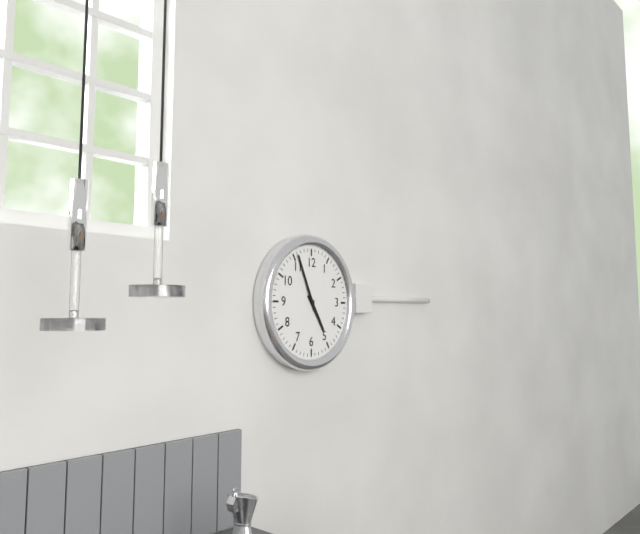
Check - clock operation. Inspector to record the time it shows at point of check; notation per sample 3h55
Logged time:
4h56
